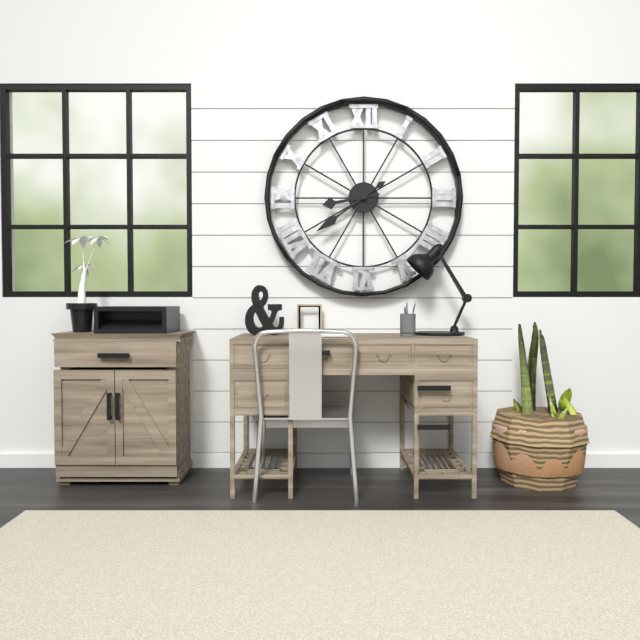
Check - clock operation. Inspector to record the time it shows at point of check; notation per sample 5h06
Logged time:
8h39
